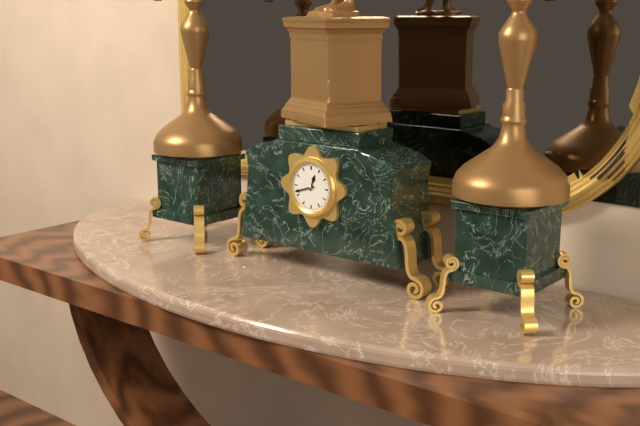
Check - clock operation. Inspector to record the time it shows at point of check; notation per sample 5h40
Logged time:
12h42
